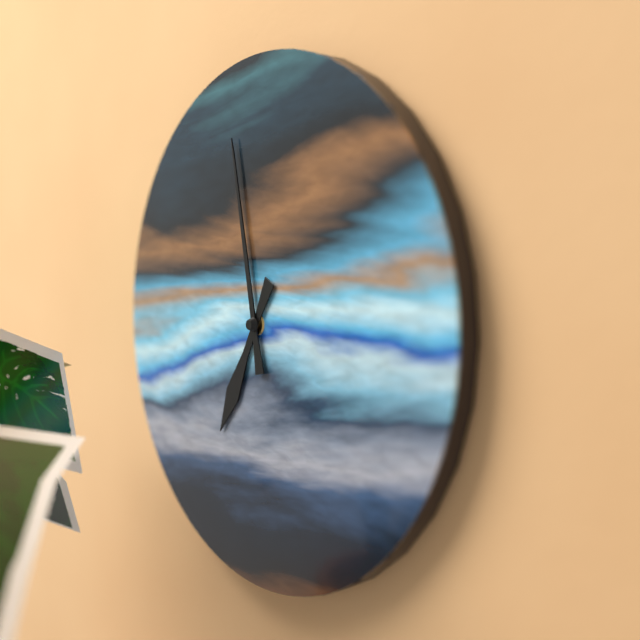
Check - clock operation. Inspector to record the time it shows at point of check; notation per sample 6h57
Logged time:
6h58
